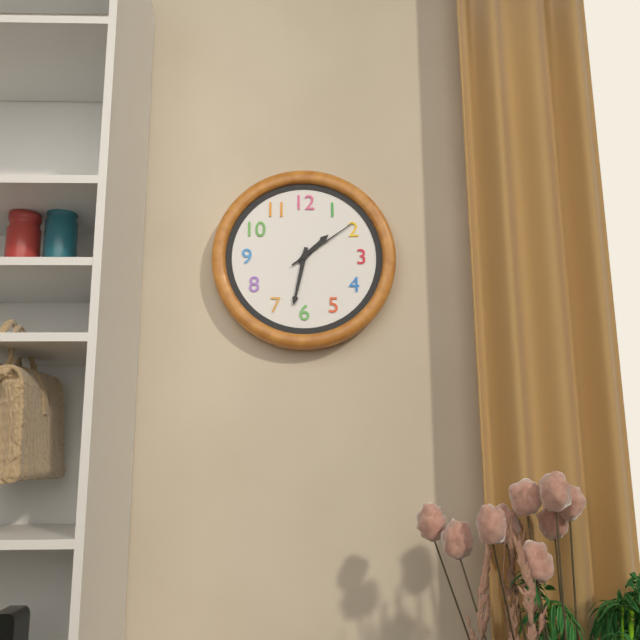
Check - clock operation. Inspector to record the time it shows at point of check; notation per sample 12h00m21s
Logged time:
1h32m09s
